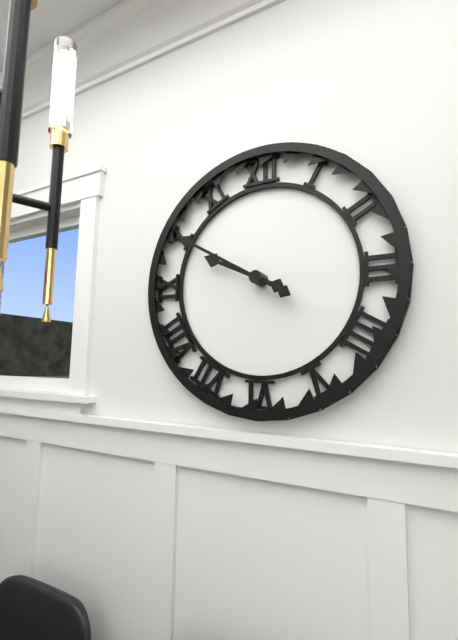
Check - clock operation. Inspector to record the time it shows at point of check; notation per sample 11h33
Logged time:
9h50
